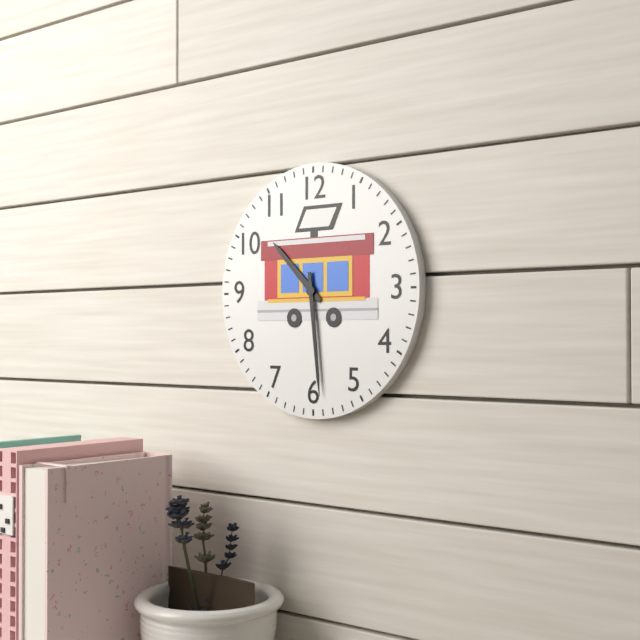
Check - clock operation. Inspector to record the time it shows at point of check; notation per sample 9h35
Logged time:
10h29
